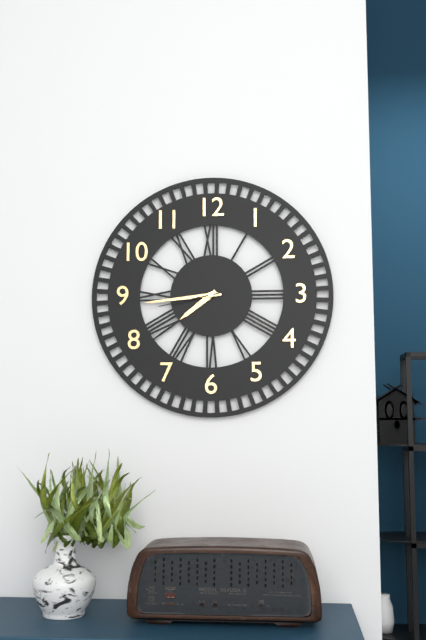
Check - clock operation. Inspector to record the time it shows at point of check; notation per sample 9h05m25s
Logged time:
7h44m43s
